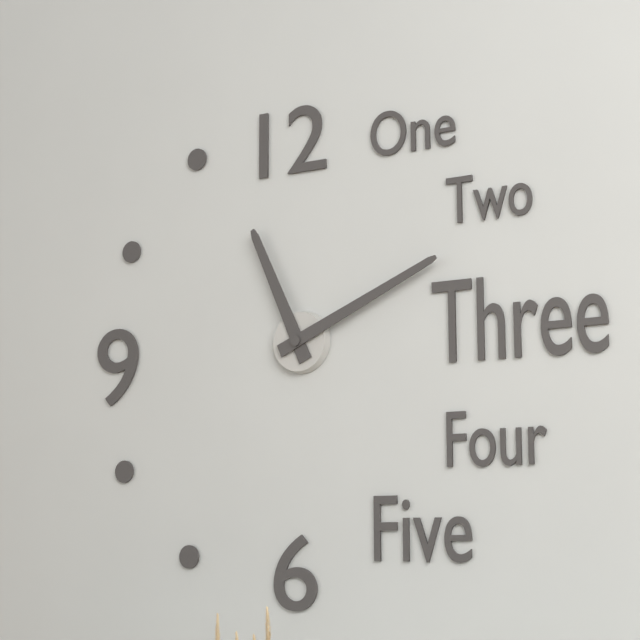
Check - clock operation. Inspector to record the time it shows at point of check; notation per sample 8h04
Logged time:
11h11
